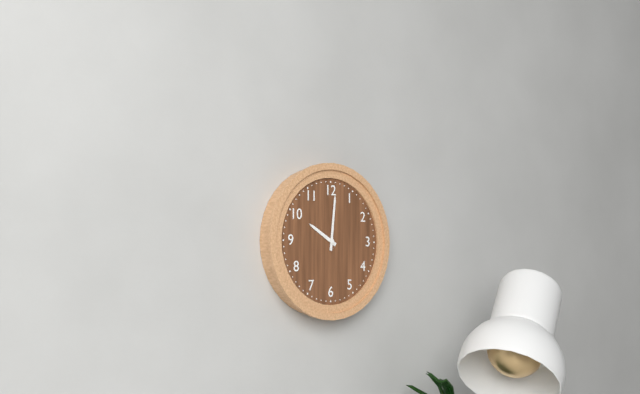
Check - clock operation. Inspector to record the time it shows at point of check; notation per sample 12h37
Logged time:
10h01
